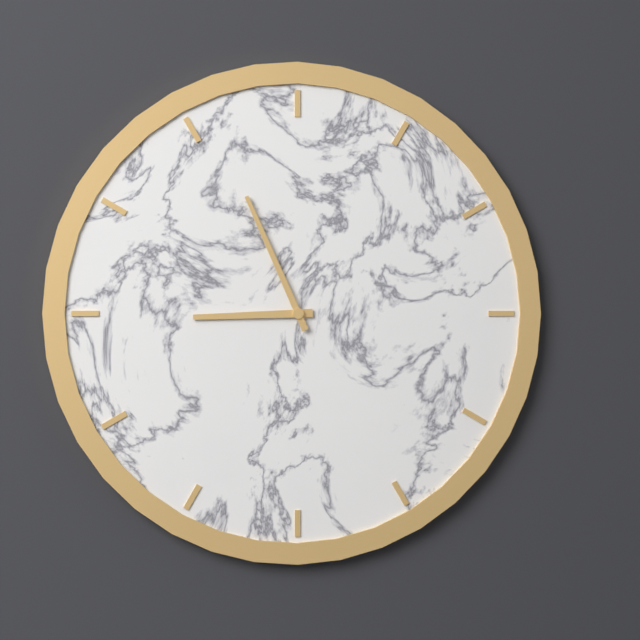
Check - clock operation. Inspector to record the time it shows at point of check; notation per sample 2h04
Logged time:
8h56
